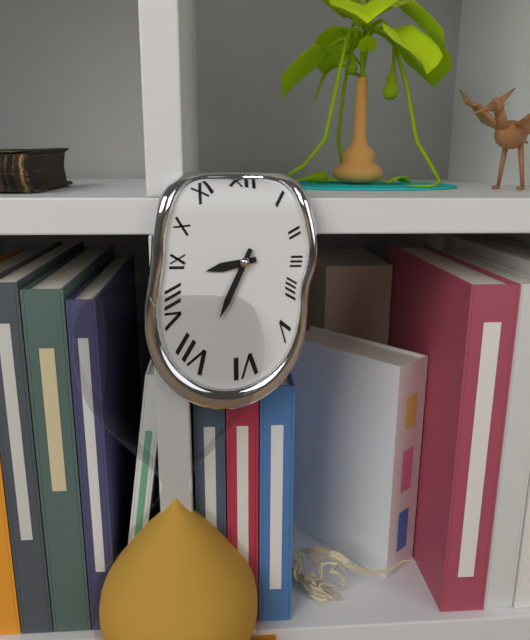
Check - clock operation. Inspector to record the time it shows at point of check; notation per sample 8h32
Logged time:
8h34
